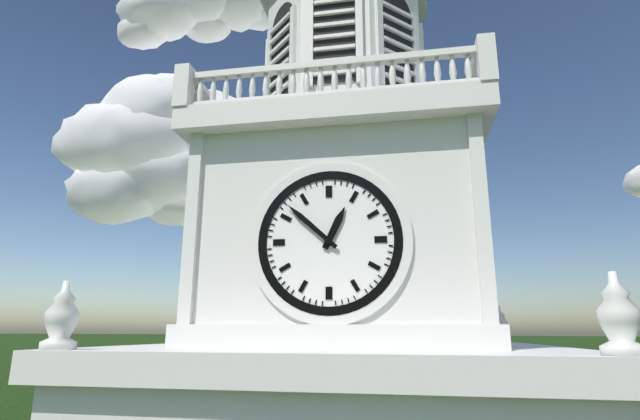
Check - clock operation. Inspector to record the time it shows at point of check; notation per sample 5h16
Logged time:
12h52
